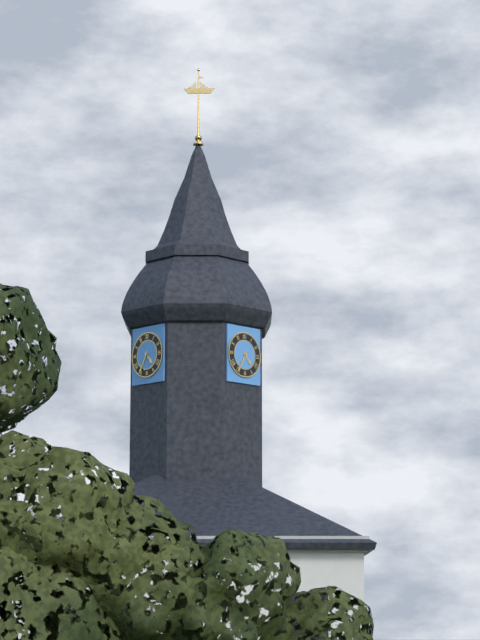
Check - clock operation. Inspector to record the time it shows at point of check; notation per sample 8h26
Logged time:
4h35
